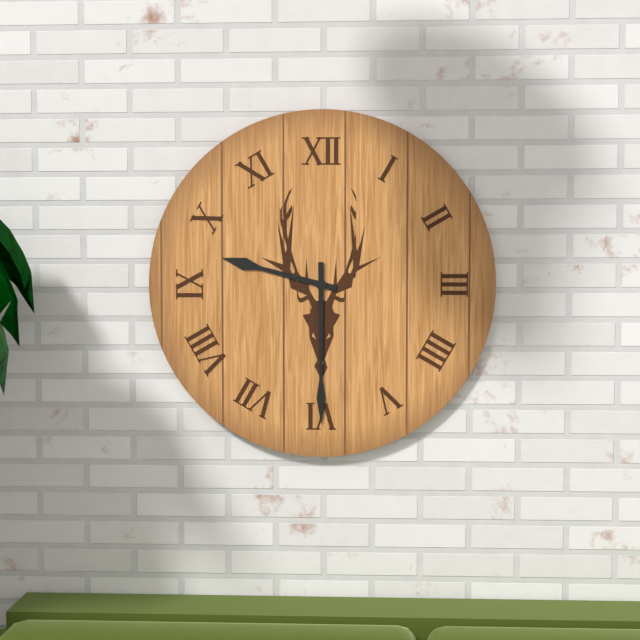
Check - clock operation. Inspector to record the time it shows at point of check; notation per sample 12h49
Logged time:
9h30
